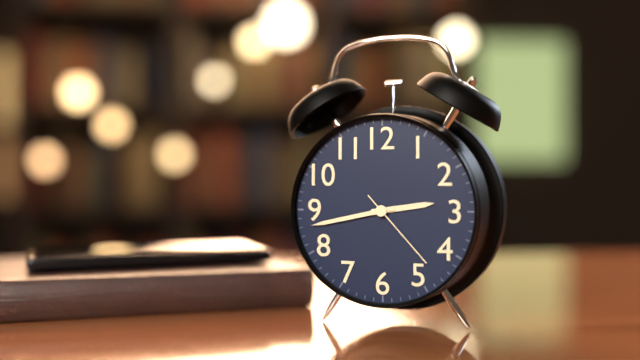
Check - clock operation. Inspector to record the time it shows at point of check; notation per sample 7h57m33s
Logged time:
2h43m23s
